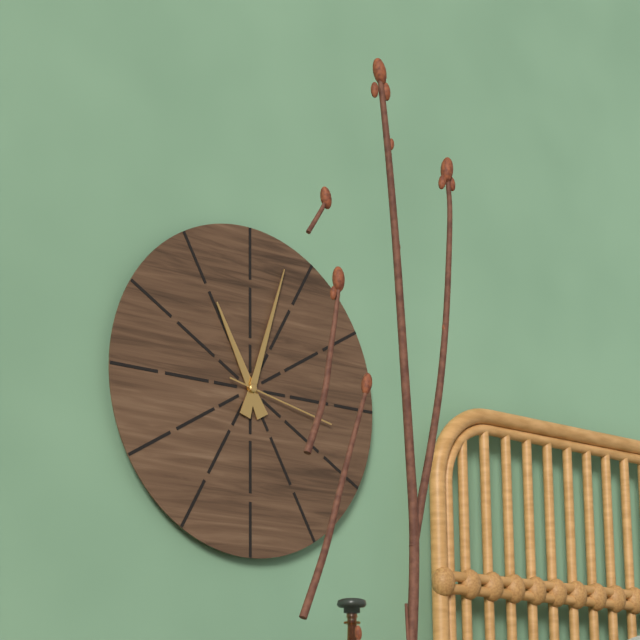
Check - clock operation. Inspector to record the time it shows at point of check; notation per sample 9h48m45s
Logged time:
11h03m17s
